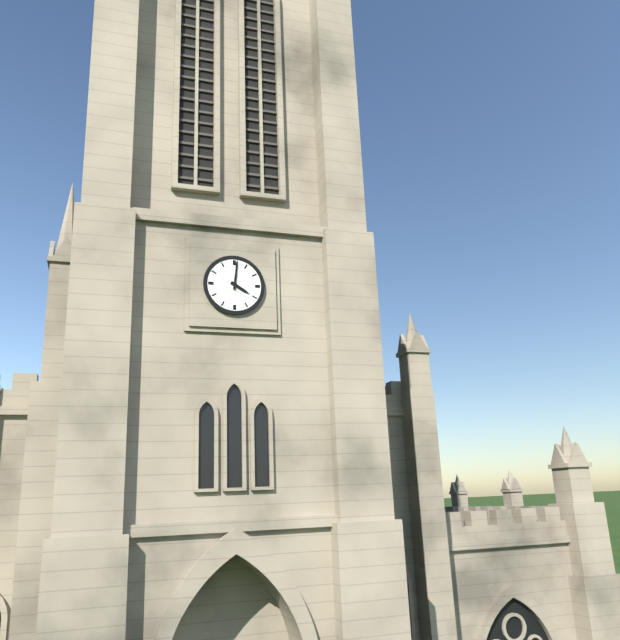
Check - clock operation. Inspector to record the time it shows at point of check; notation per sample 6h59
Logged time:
4h01
